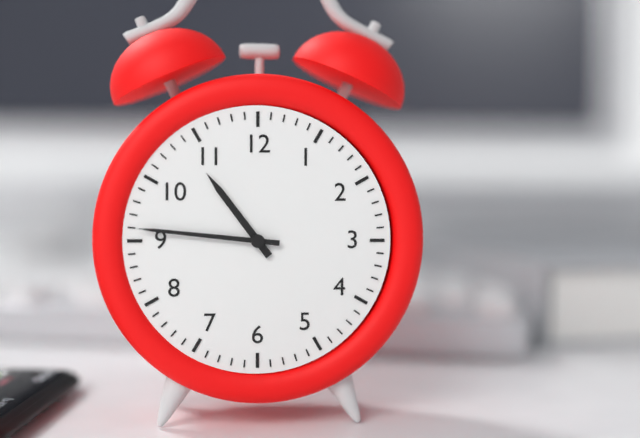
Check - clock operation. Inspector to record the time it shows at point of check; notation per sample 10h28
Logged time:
10h46
